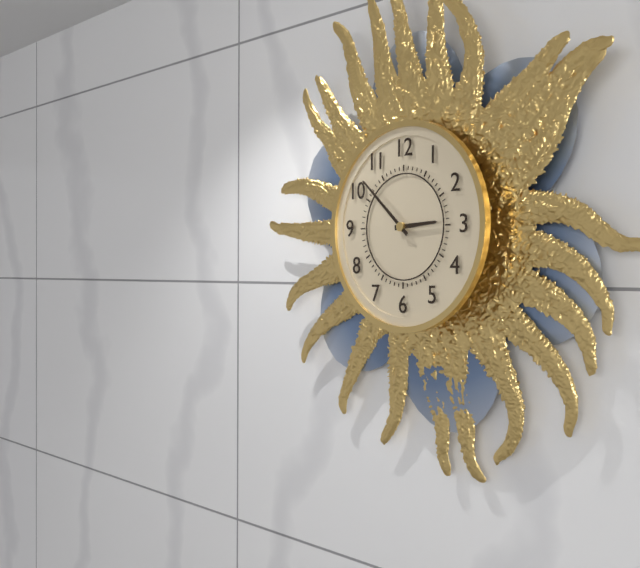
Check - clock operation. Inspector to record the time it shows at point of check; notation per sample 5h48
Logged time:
2h52
